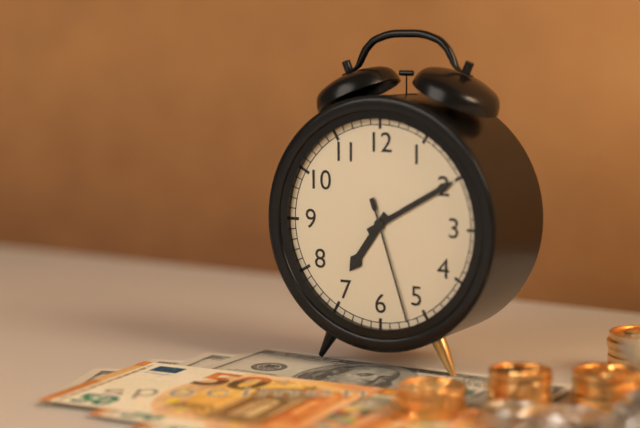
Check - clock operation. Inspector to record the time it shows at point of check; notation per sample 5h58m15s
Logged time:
7h10m27s
